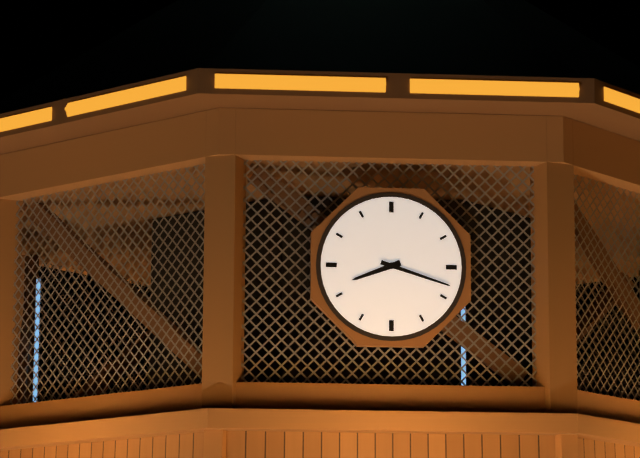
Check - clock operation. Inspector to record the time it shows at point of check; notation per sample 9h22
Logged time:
8h18
